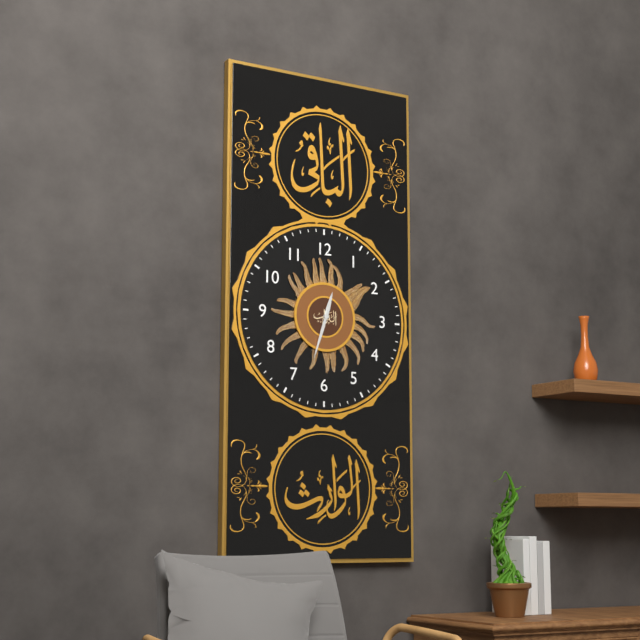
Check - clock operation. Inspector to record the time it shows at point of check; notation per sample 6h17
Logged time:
12h33
